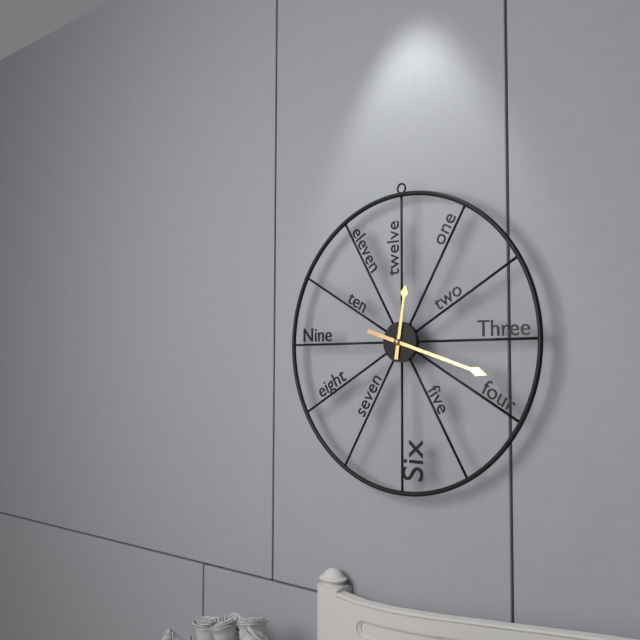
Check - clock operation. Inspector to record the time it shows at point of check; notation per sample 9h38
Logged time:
12h18
